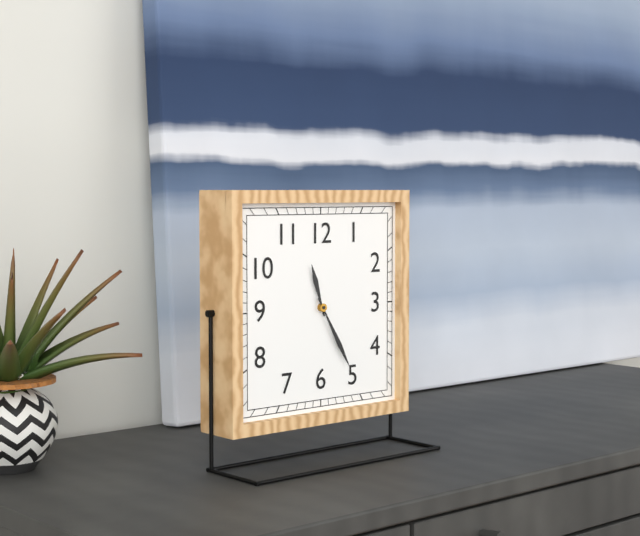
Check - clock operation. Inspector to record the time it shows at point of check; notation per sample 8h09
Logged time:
11h25
